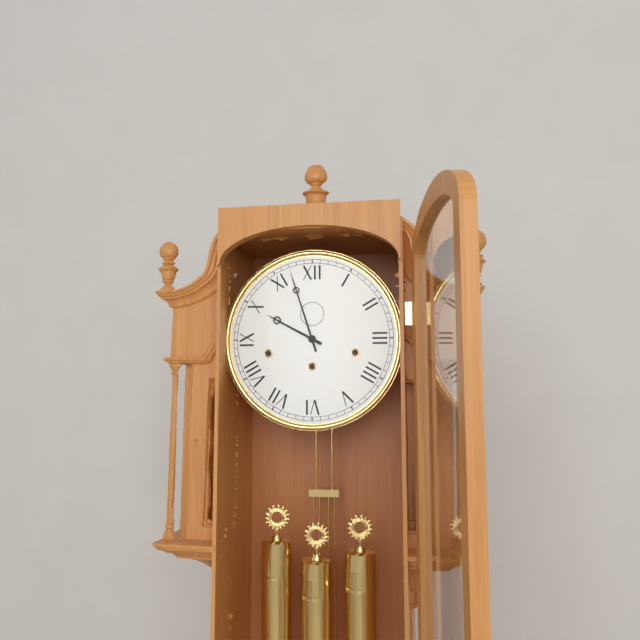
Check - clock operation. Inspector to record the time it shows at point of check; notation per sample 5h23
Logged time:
9h57
